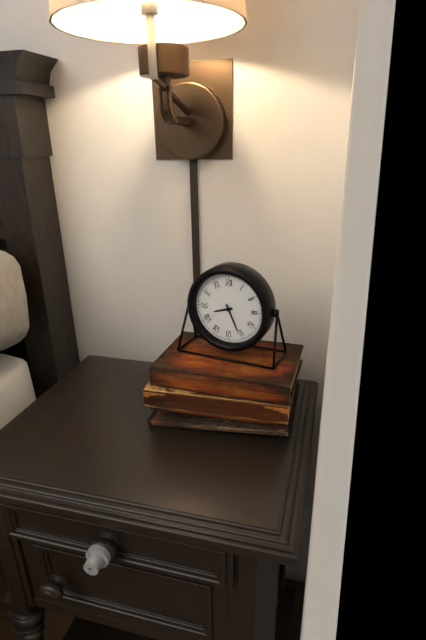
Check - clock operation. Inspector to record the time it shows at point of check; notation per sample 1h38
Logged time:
8h26
